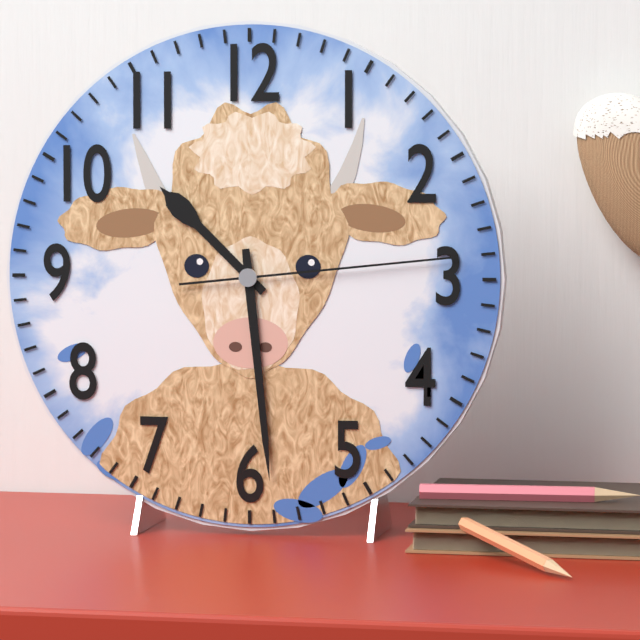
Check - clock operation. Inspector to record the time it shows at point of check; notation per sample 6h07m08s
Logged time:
10h29m14s
